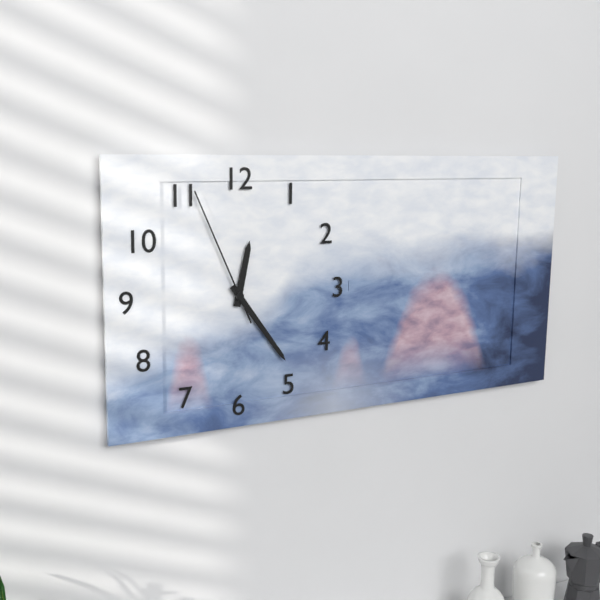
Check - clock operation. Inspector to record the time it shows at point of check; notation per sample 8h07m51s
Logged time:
12h24m56s
